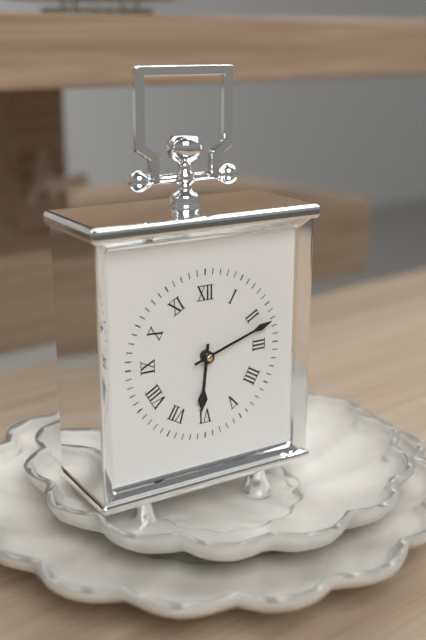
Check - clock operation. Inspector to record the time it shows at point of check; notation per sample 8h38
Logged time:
6h12
